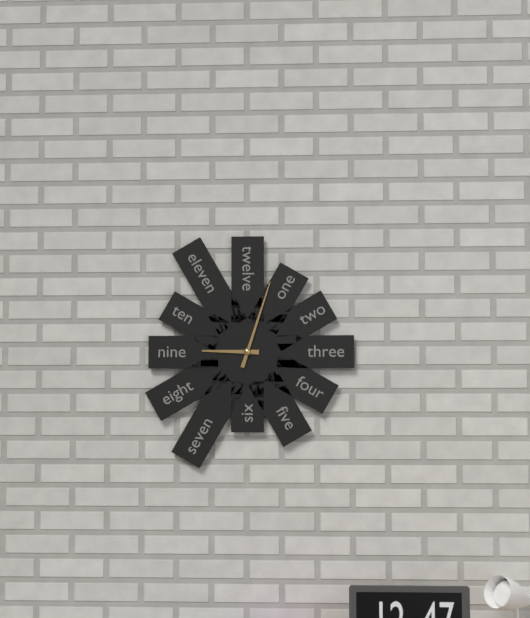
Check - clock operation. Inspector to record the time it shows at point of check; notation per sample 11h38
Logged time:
9h03
